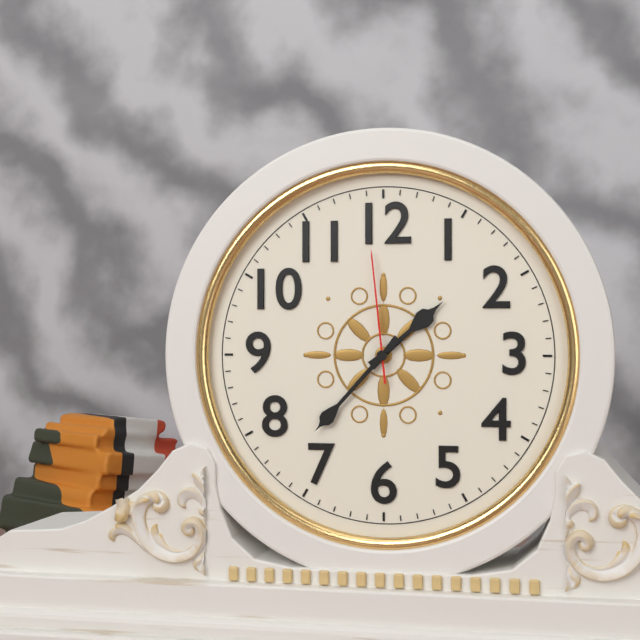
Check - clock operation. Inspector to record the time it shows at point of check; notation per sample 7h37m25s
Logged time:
1h37m59s
